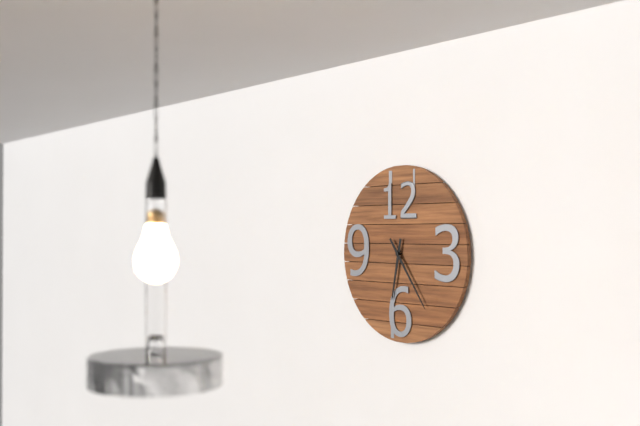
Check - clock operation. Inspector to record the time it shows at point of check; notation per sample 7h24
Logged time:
6h24
